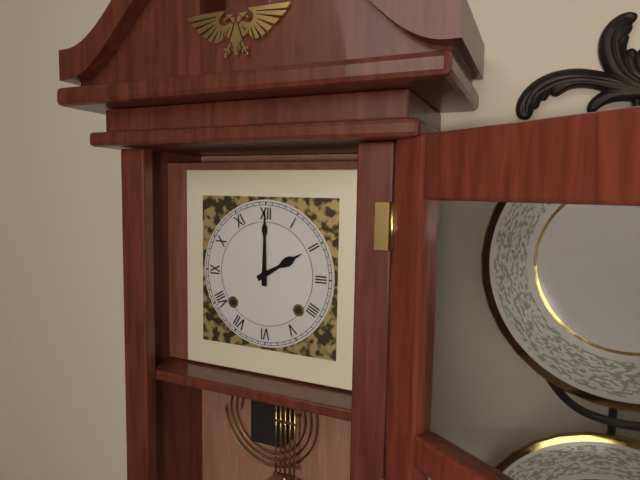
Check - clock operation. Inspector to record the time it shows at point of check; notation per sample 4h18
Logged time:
2h00
